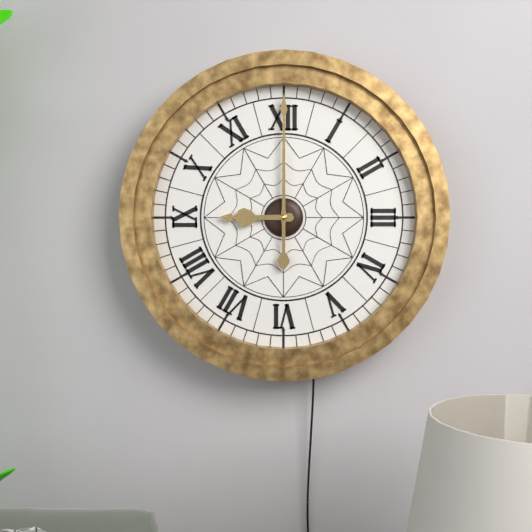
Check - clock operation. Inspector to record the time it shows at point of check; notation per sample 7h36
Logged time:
9h00
